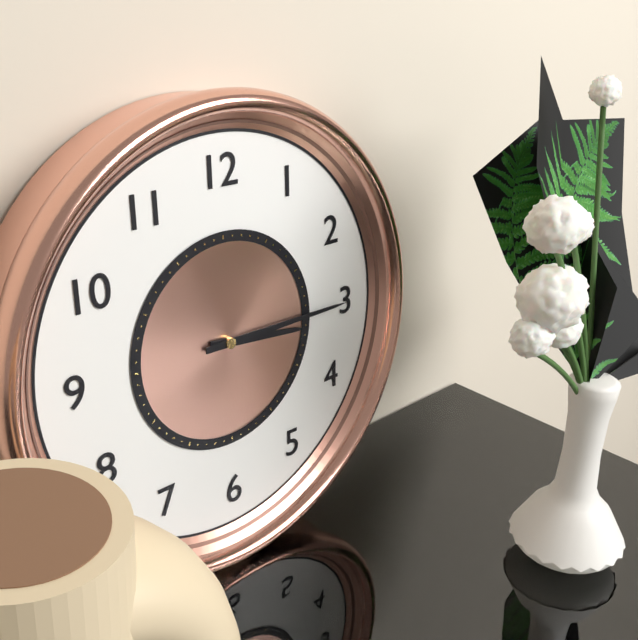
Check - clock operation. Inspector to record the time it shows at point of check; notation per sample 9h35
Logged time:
3h15
